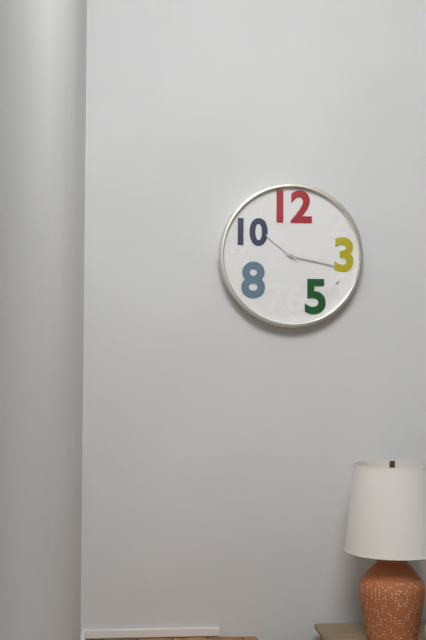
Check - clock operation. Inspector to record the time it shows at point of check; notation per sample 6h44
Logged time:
10h17
